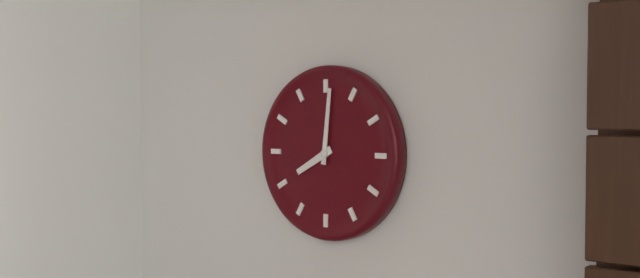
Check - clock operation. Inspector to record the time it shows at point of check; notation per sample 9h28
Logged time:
8h01
